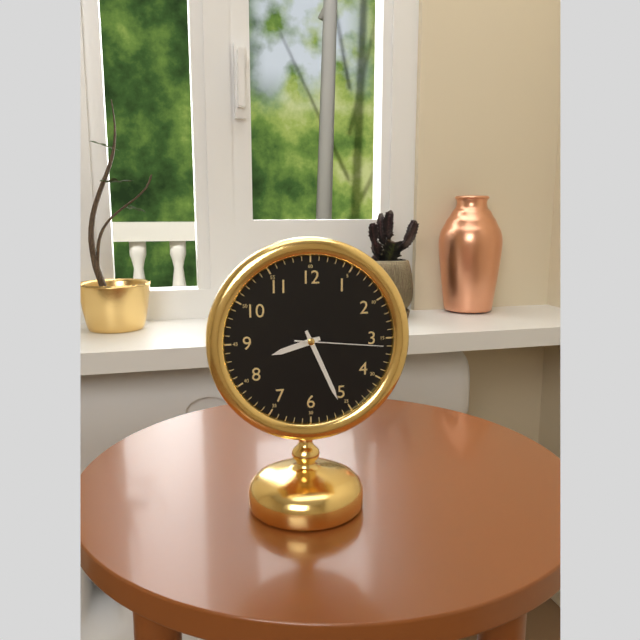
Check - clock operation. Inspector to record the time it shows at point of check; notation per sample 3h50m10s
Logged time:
8h26m16s
